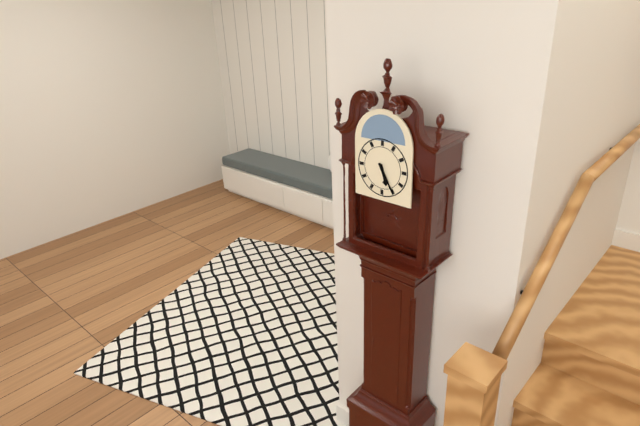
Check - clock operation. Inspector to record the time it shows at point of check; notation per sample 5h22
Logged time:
5h25
